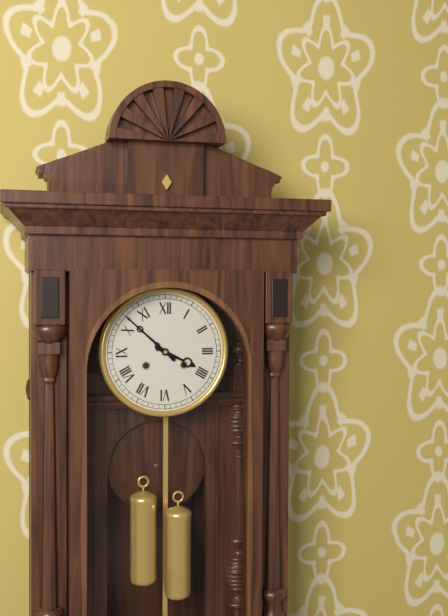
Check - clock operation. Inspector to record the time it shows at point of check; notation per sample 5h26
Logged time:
3h52
